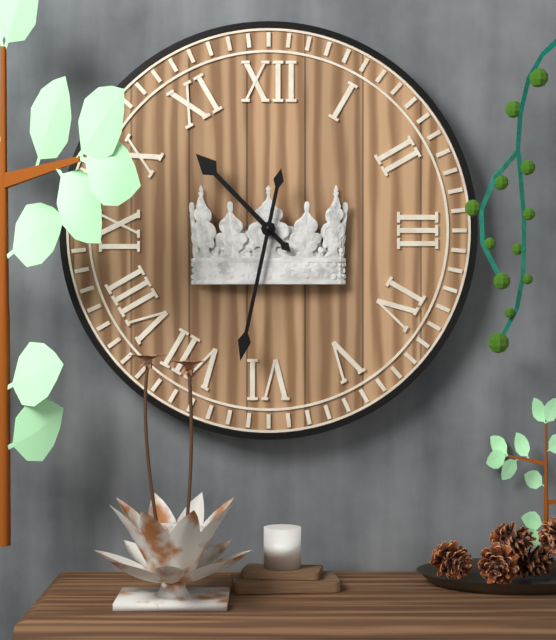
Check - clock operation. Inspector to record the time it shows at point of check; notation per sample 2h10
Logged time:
10h32
